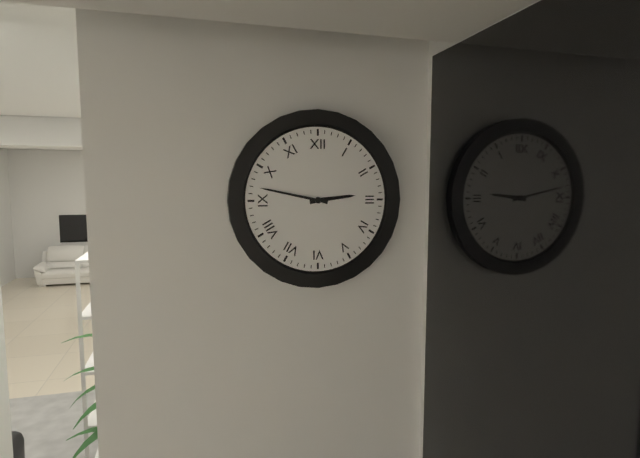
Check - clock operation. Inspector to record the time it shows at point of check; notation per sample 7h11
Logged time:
2h47
